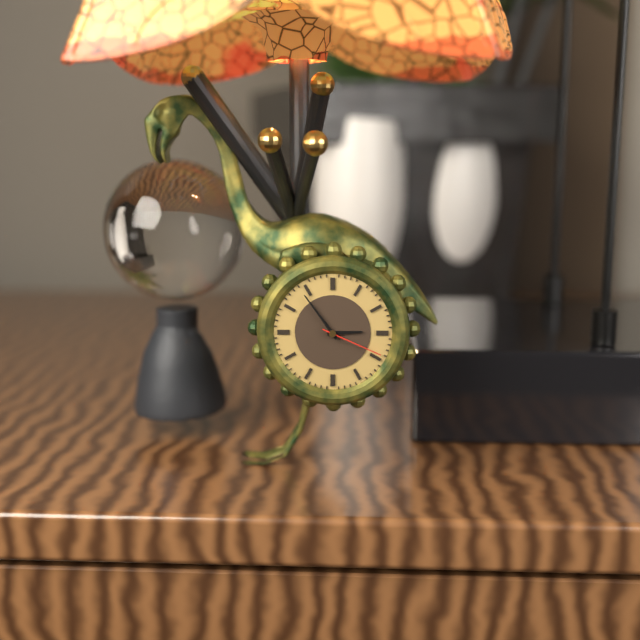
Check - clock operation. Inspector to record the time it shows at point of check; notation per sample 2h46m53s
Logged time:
2h54m19s
